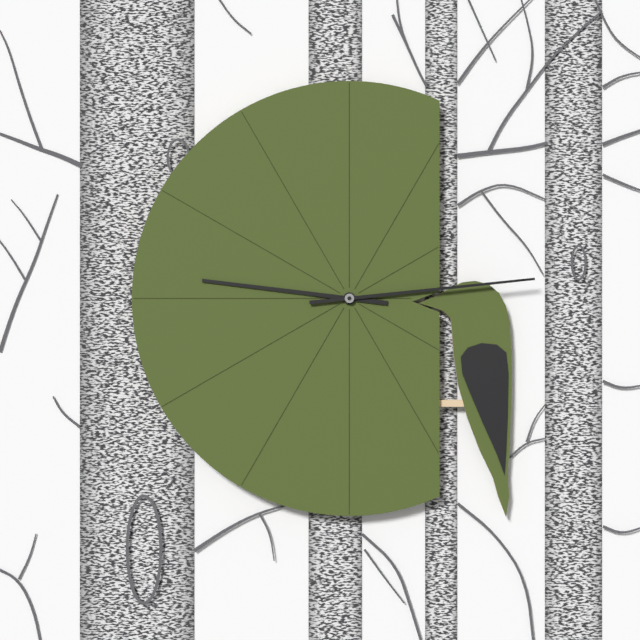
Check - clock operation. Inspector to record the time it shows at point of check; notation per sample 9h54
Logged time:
9h14
